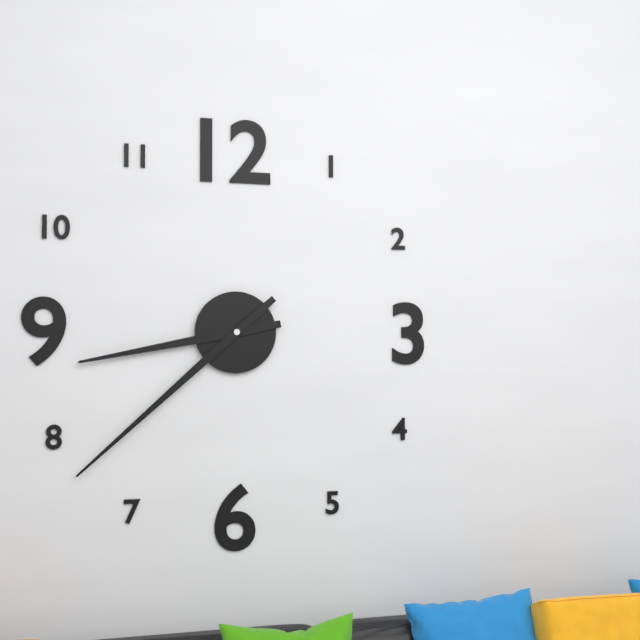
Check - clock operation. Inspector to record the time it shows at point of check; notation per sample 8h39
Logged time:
8h38
